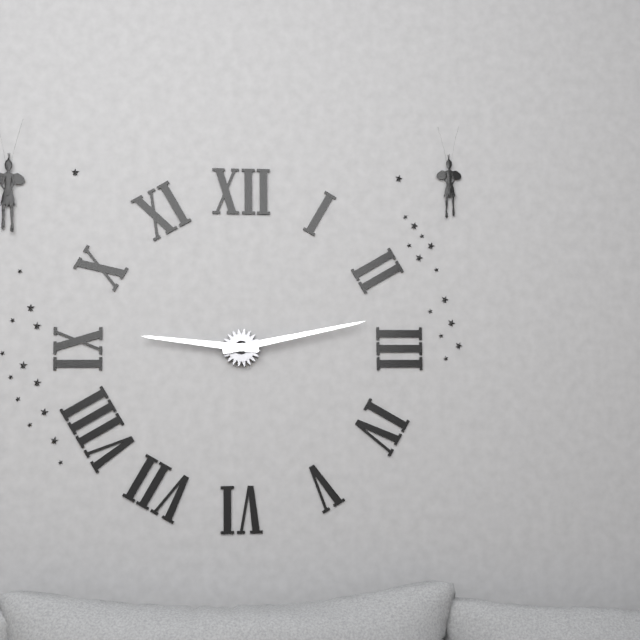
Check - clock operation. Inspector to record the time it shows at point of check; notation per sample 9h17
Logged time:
9h13
